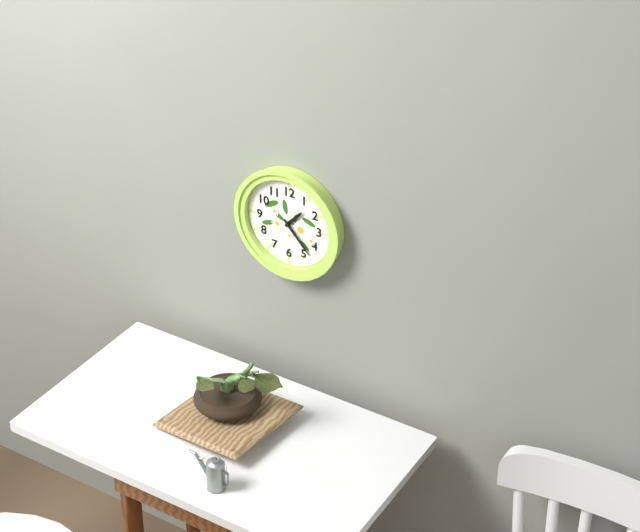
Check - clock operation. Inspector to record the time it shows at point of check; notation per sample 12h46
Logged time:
1h23
